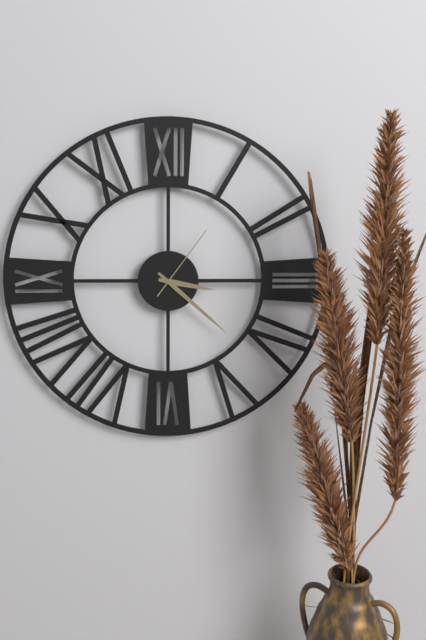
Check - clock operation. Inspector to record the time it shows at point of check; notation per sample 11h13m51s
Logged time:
3h22m06s
